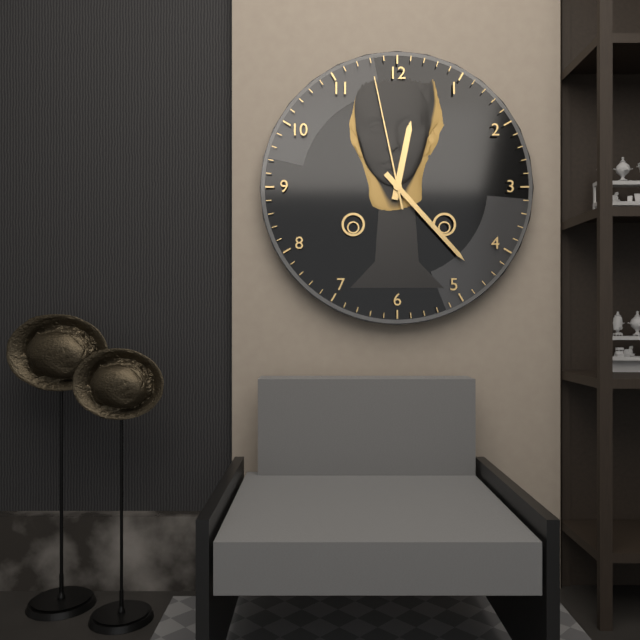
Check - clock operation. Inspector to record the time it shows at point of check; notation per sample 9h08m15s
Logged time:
12h23m58s
